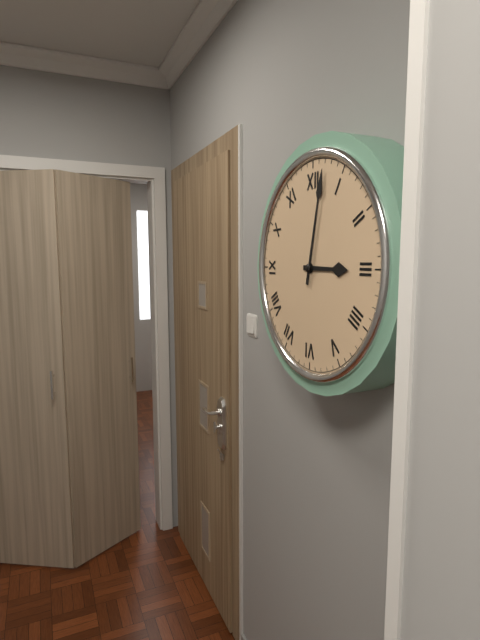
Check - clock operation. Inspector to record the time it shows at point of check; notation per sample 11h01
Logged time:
3h02
